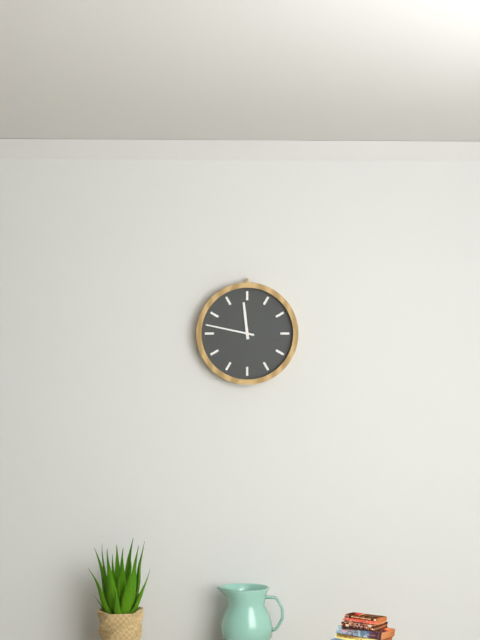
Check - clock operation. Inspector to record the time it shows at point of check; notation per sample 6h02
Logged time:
11h47
